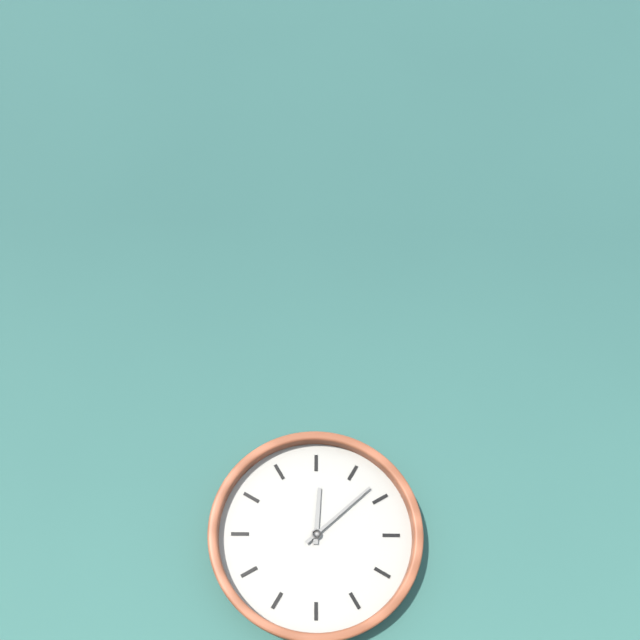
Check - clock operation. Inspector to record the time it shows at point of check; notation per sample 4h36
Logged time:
12h08
